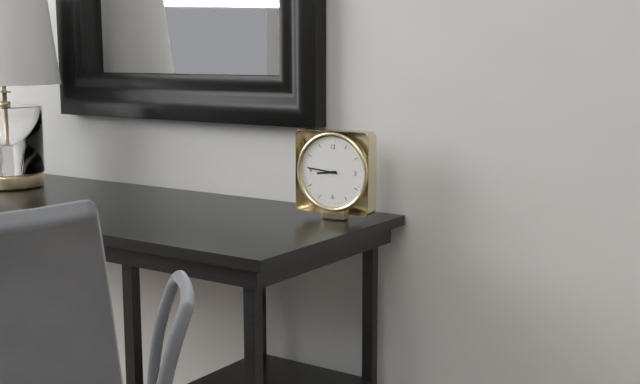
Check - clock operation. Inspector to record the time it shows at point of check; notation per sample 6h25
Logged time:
8h46
